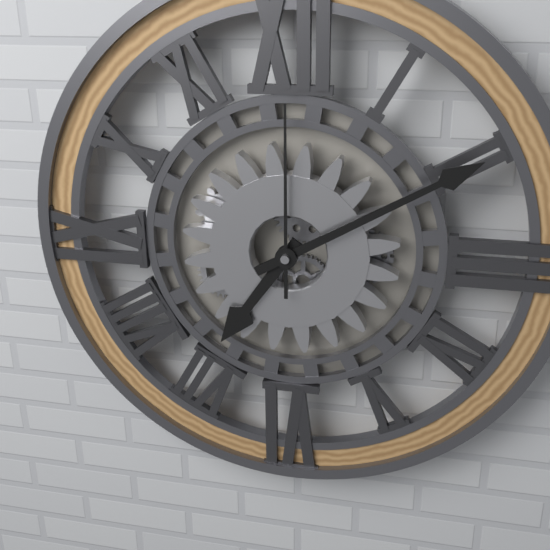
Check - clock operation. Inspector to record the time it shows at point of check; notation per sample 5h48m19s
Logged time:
7h10m00s
